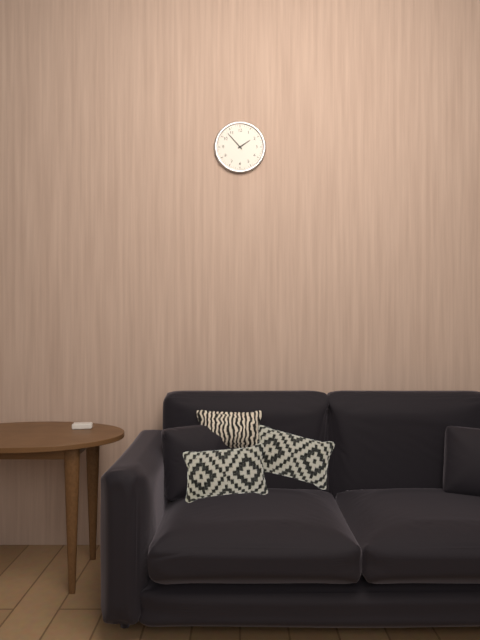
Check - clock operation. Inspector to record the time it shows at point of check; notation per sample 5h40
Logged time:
1h53
